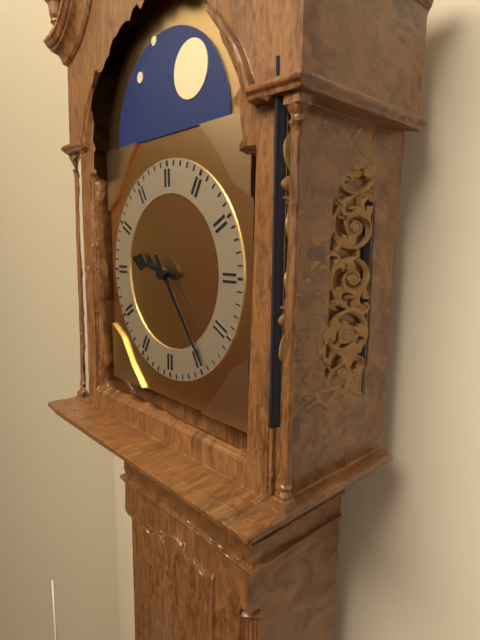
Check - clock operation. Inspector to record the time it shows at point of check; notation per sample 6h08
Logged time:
9h24
